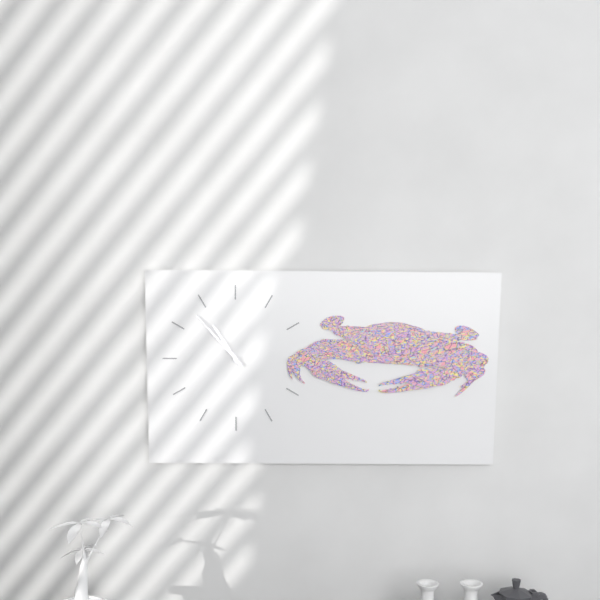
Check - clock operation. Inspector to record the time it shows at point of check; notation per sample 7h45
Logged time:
10h53
